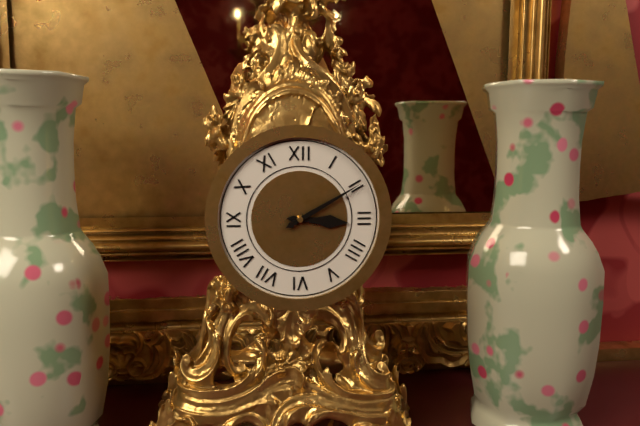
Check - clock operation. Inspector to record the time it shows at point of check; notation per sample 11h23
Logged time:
3h10
